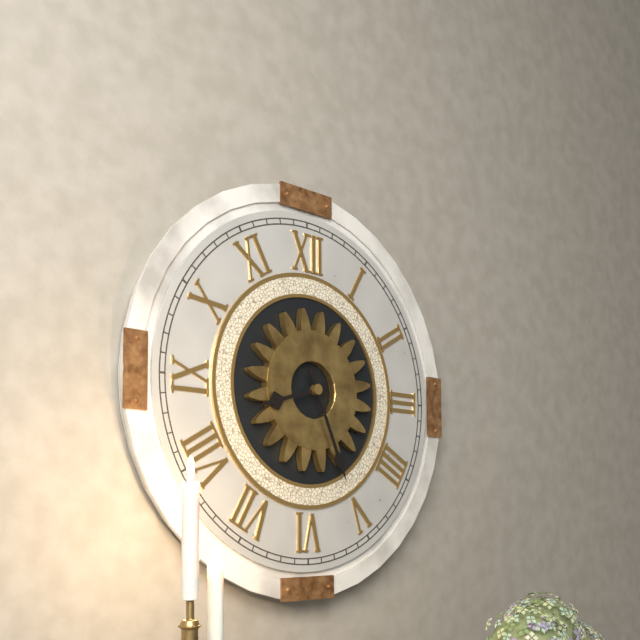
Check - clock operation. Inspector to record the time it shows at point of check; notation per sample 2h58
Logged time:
8h26
